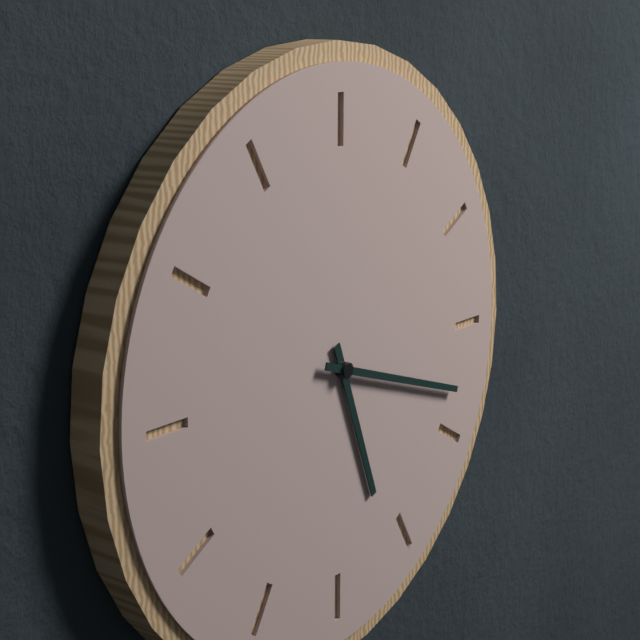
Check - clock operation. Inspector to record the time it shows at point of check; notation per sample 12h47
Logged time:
5h18
